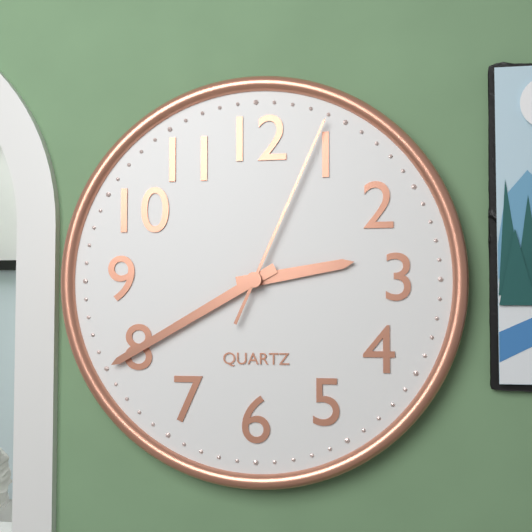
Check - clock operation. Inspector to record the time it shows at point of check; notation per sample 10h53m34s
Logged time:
2h40m04s
